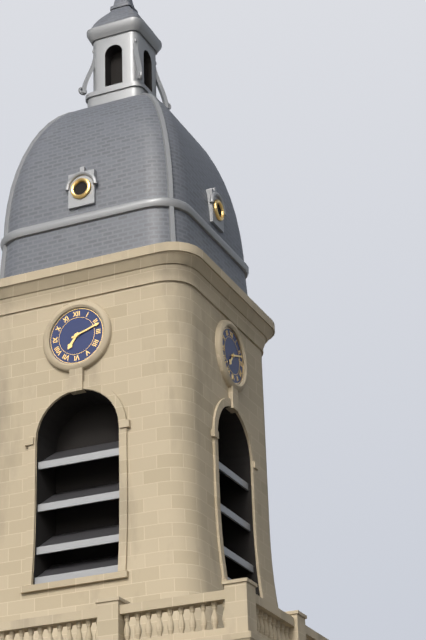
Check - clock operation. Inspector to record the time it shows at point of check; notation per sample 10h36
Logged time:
7h12
